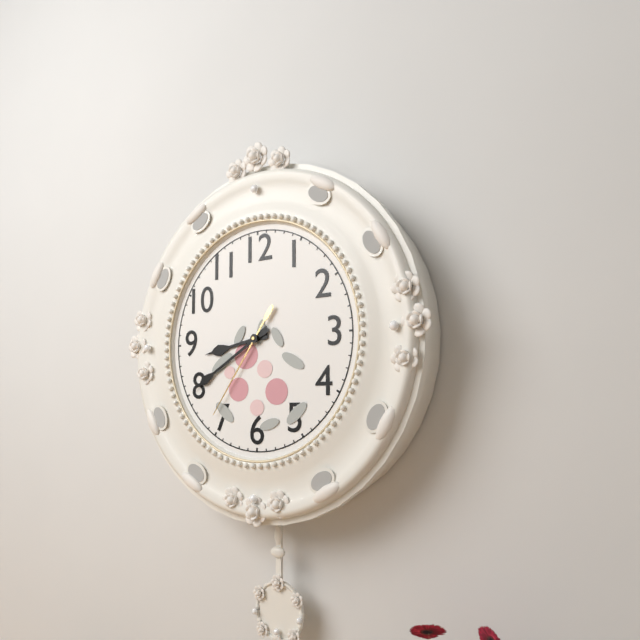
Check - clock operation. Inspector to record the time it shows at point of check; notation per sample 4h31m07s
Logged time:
8h40m36s
